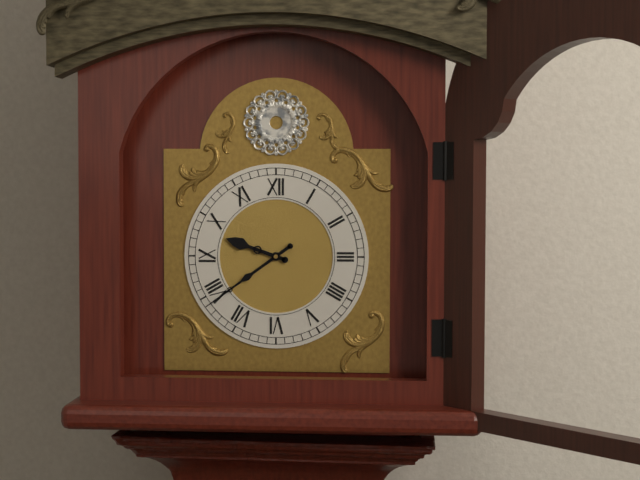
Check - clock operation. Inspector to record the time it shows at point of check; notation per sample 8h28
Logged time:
9h39
